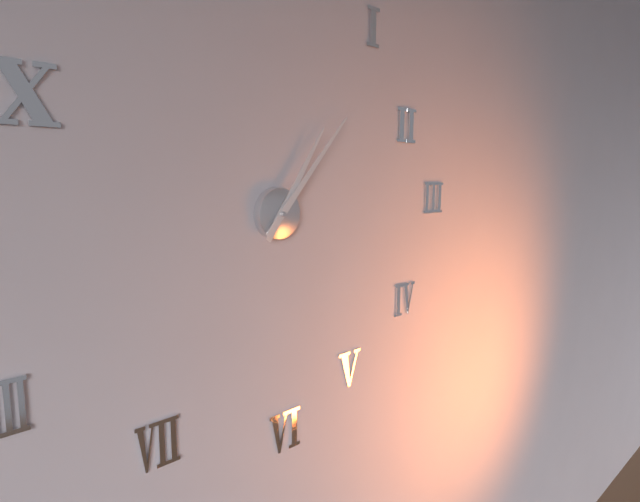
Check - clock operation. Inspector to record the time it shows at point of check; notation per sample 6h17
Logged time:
1h07
